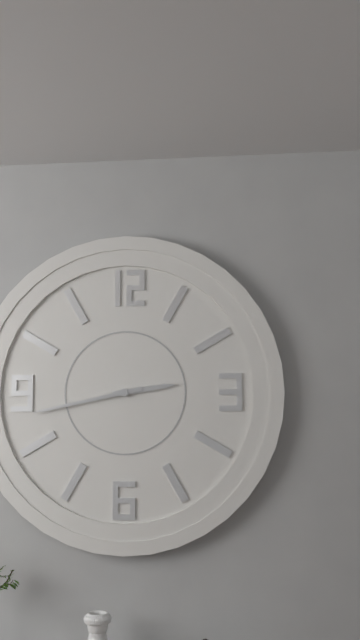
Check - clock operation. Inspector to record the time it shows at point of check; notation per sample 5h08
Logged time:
2h43
